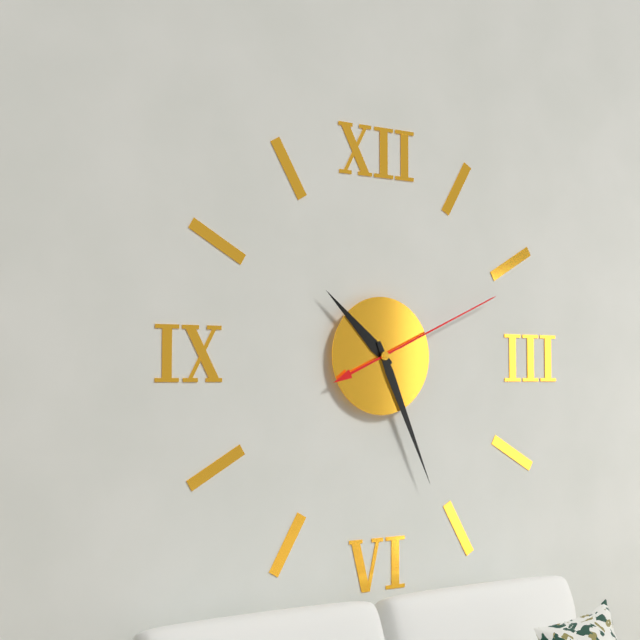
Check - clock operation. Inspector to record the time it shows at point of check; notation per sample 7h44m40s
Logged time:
10h26m11s
